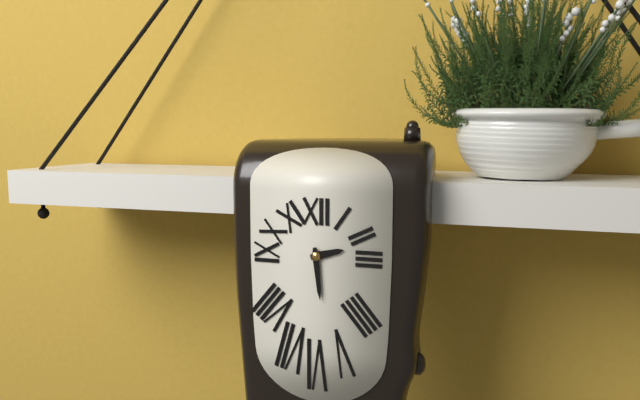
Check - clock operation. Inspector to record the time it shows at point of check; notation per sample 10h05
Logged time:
2h29
